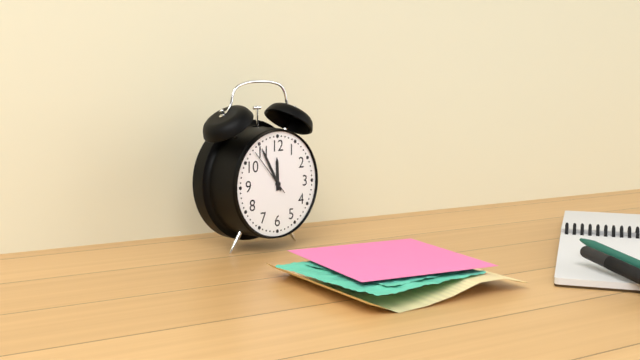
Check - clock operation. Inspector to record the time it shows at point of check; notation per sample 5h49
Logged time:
11h55
